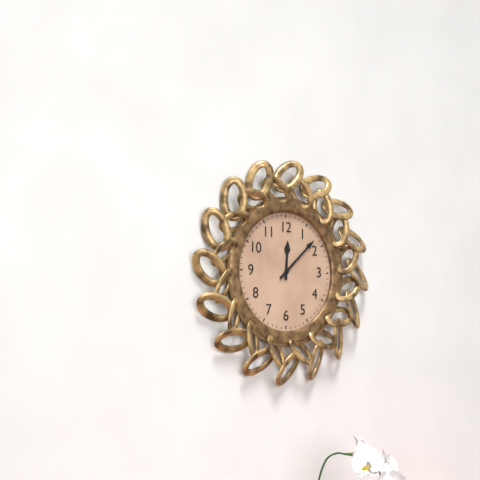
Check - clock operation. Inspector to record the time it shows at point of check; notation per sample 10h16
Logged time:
12h08
